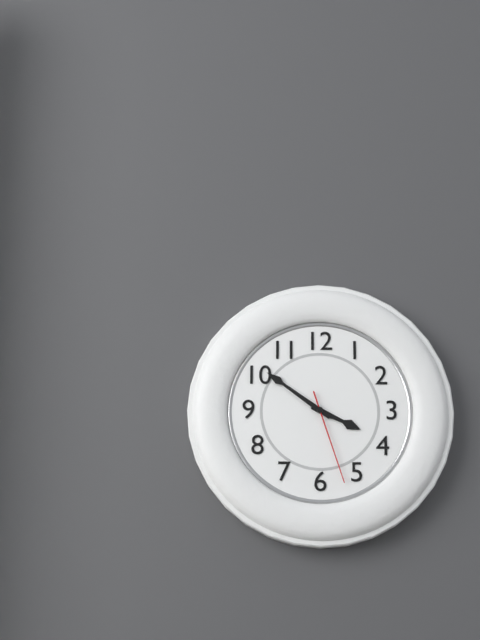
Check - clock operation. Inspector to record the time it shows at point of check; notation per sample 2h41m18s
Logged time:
3h51m27s
